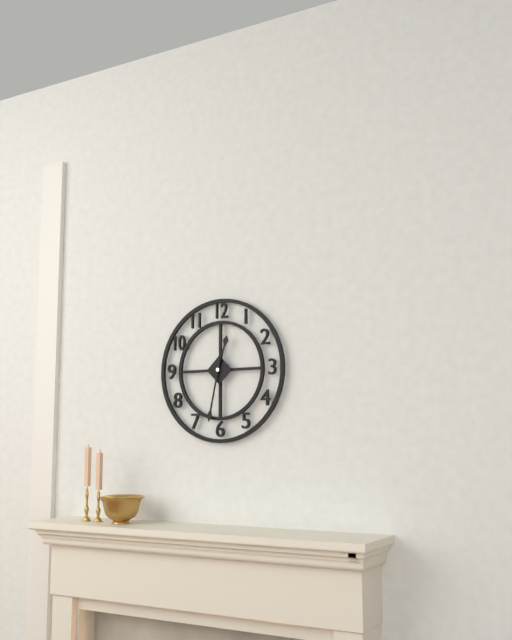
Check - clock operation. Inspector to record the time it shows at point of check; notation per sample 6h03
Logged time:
12h32
